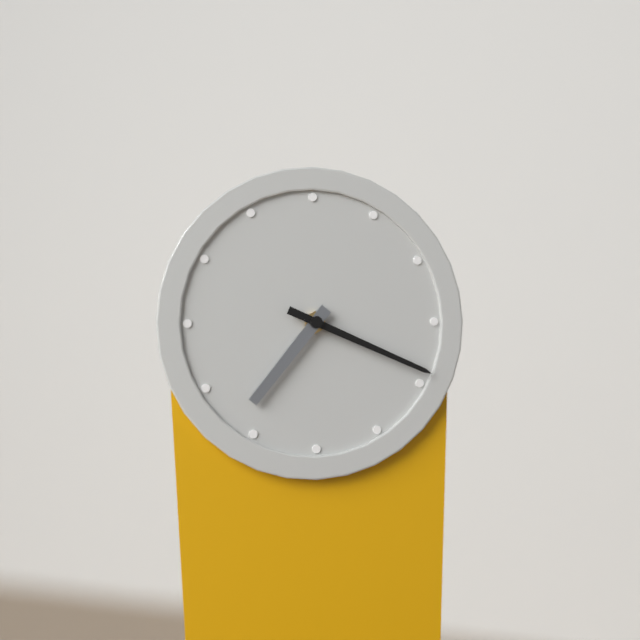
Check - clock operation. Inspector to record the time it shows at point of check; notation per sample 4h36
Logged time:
7h19
